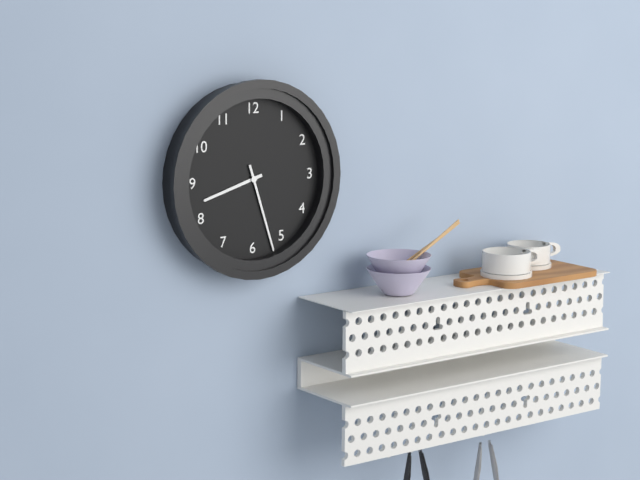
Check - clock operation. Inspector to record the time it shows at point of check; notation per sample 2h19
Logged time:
8h27
